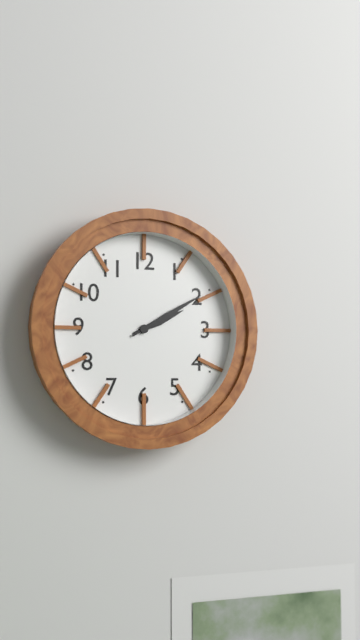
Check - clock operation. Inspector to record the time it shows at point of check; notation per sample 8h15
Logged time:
2h10
